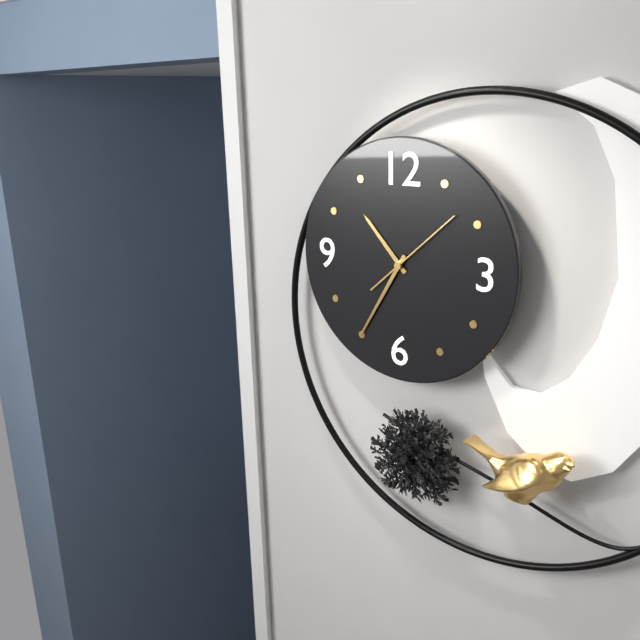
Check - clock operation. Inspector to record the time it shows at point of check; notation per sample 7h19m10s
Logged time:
10h35m08s
